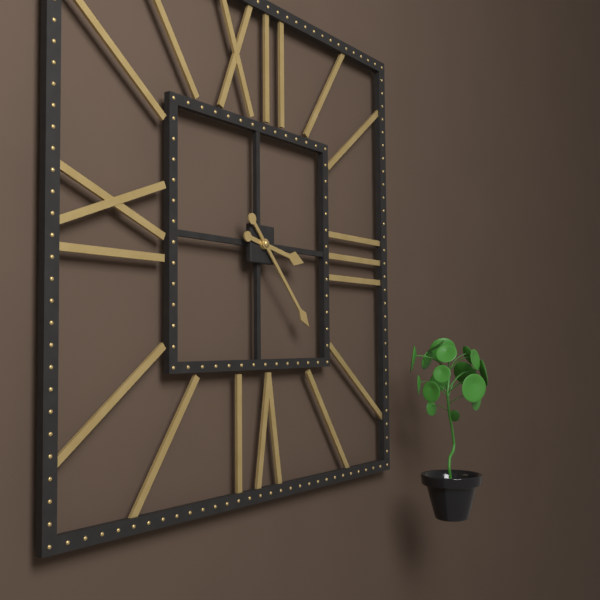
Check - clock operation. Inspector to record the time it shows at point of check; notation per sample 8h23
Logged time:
3h23
